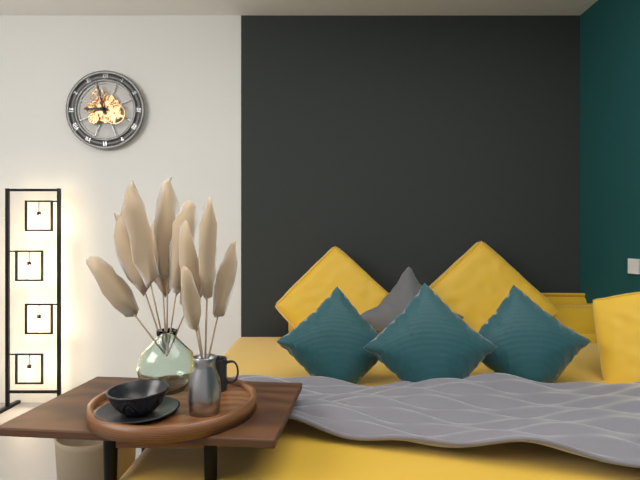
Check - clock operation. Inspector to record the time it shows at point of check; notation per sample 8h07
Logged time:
8h58
